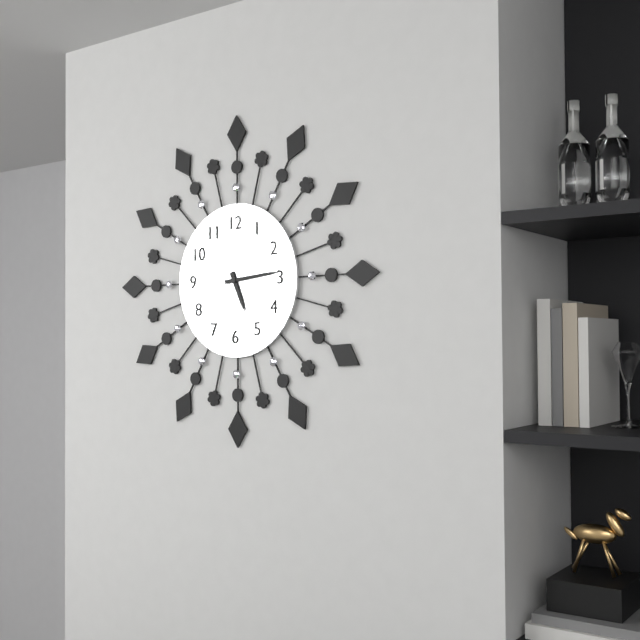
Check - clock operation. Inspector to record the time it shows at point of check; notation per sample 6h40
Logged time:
5h14
